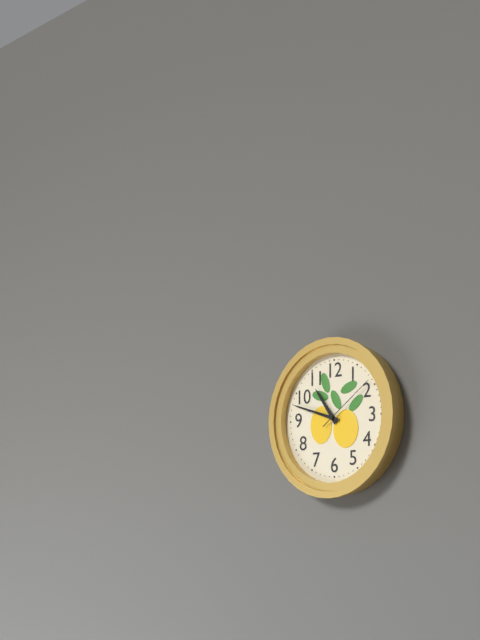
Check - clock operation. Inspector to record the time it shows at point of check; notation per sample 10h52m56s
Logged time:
10h48m09s
